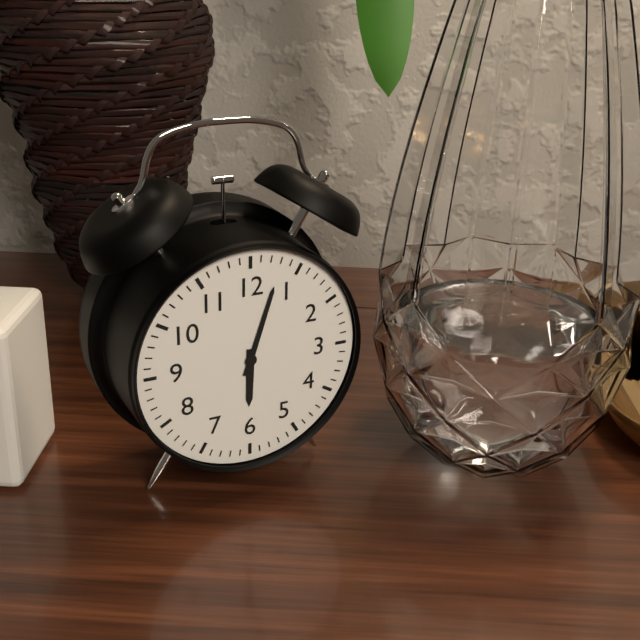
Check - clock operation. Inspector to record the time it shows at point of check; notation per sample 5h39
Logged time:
6h03
